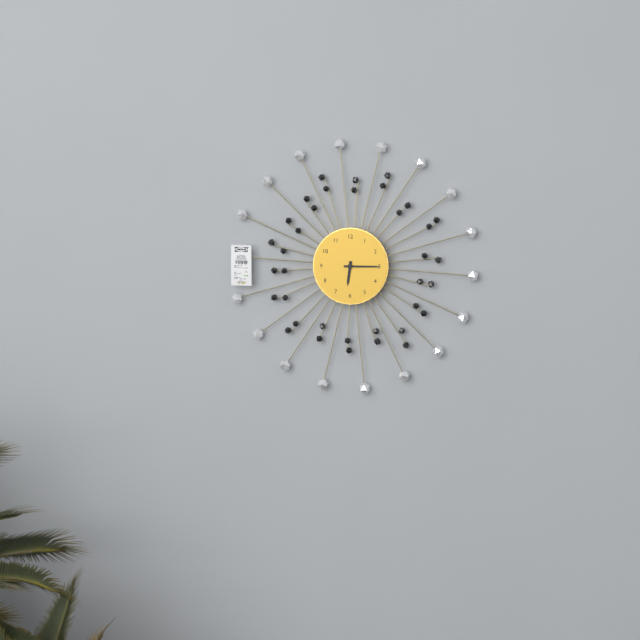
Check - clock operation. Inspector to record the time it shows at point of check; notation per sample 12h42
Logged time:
6h15
